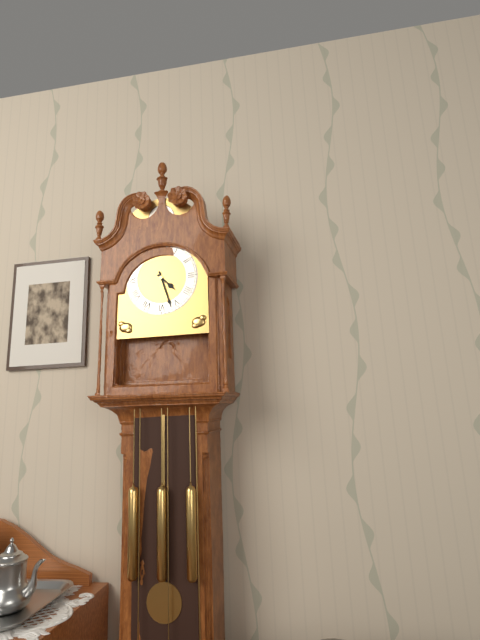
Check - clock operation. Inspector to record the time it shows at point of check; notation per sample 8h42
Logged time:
4h27
